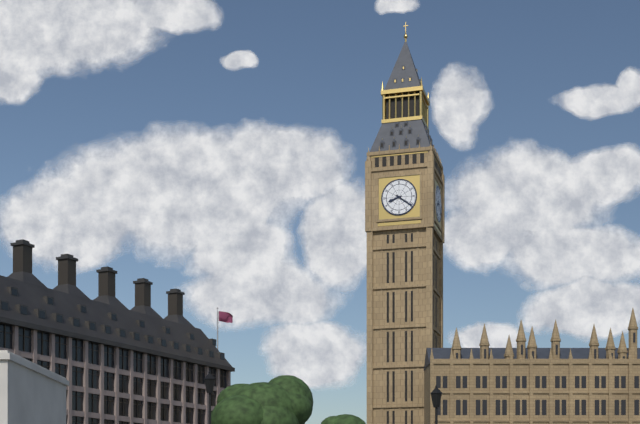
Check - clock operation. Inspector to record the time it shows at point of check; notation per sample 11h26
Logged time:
8h21
